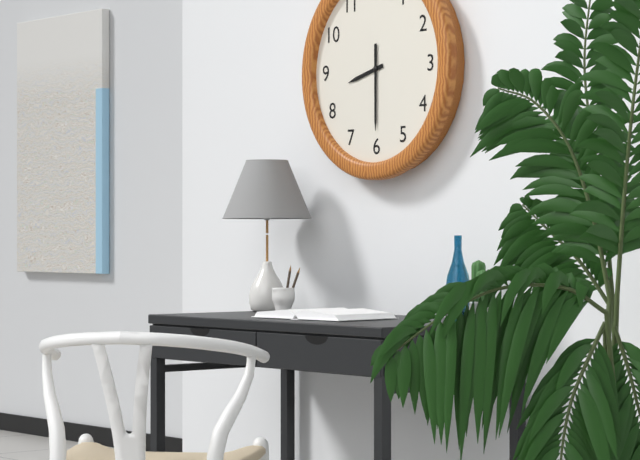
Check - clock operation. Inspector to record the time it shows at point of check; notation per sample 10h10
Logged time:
8h30
